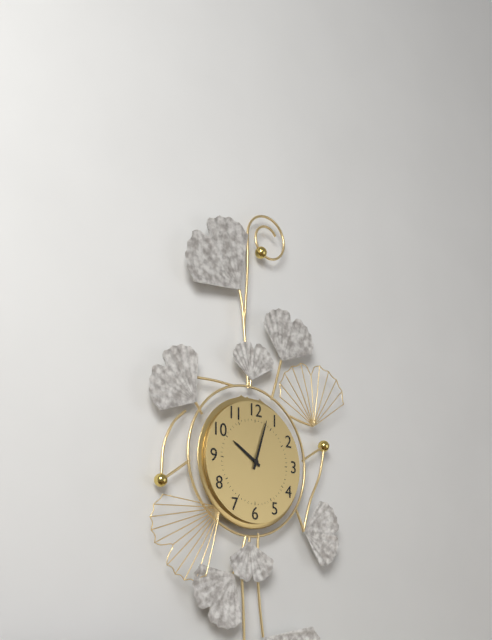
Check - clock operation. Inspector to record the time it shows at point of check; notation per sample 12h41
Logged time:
10h03
